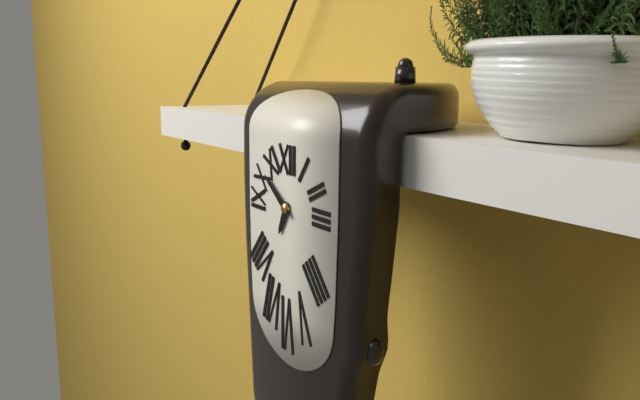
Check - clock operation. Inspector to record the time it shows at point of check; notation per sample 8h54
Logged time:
6h51
